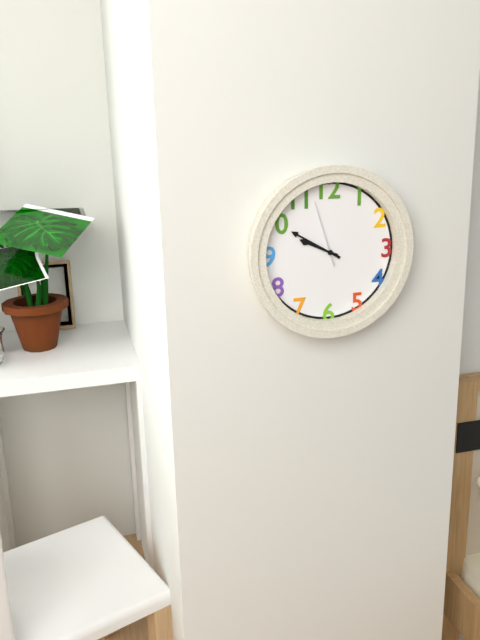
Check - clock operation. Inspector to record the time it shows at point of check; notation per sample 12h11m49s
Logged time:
9h50m57s
